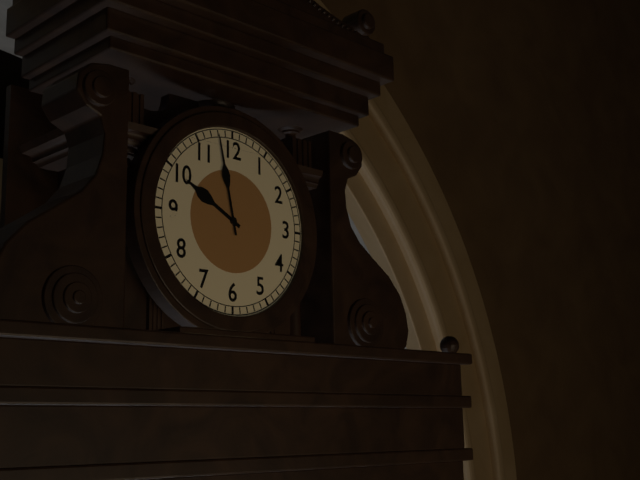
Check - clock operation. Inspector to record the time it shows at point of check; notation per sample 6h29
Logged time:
9h58
